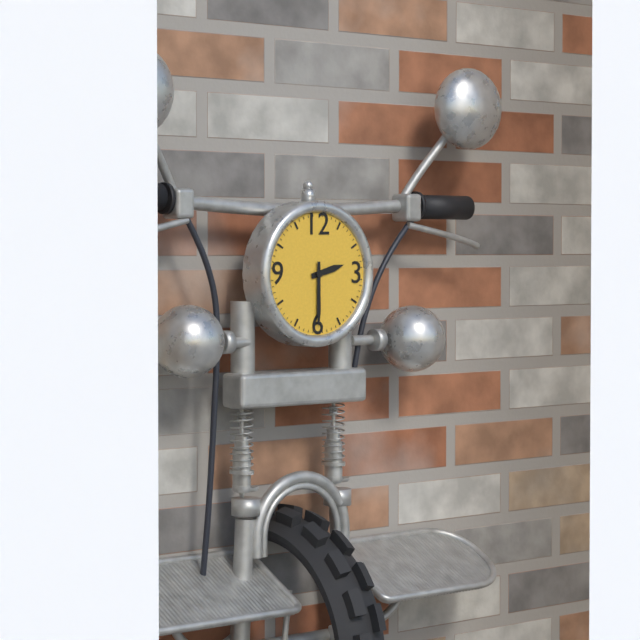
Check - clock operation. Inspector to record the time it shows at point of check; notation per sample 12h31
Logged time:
2h30
